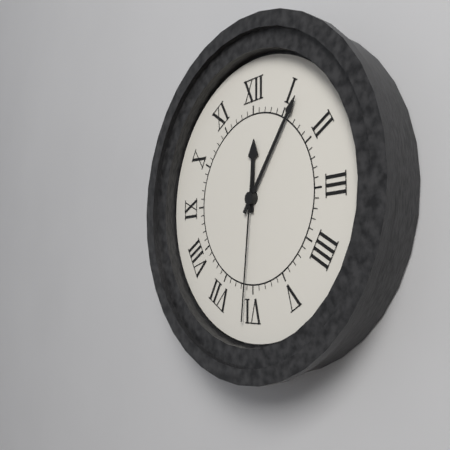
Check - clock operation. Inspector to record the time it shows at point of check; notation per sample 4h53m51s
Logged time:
12h06m31s
